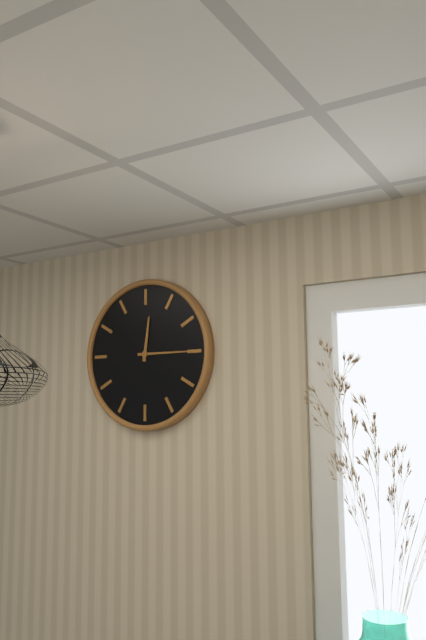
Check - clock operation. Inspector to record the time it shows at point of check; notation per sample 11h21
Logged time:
12h15
